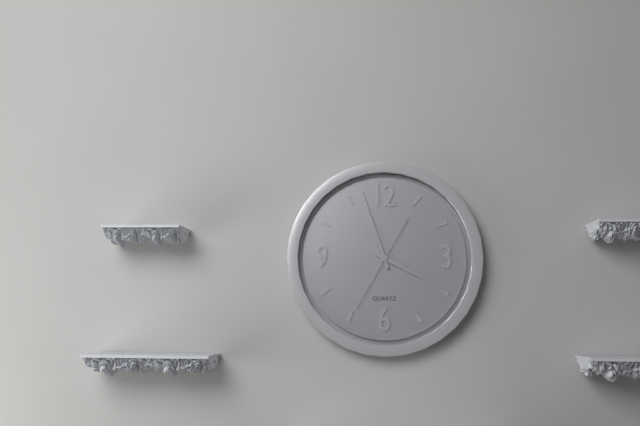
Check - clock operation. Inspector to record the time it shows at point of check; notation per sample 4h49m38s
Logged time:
3h57m35s
